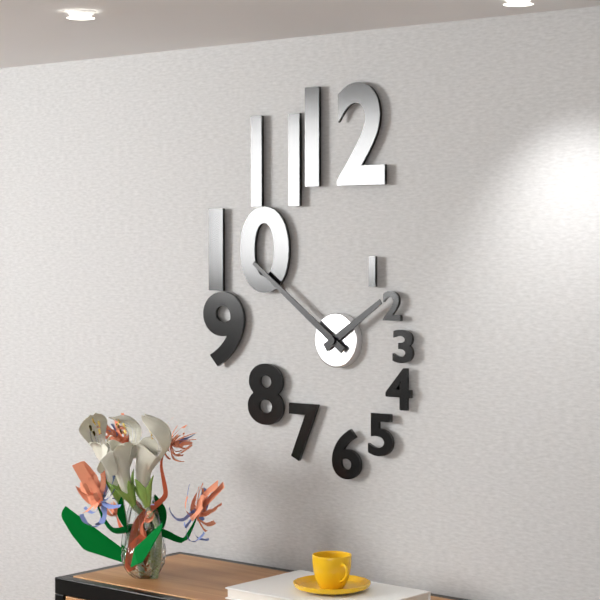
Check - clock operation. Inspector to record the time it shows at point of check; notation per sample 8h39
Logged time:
1h51
